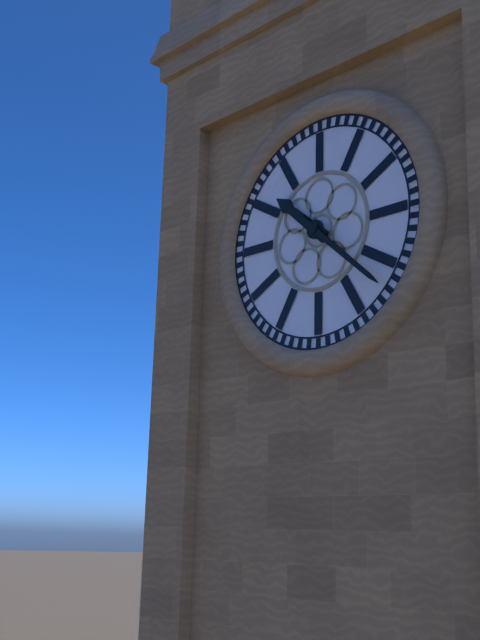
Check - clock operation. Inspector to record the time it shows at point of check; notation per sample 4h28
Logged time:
10h22
